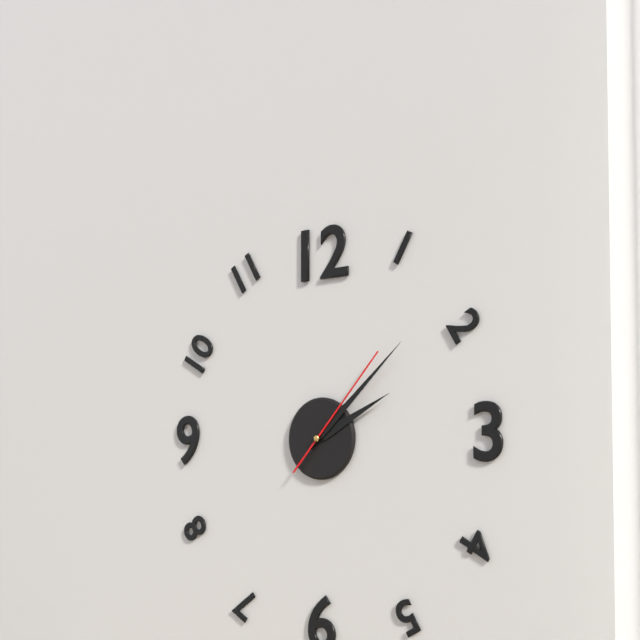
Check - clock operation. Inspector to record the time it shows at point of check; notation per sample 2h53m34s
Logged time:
2h08m07s
